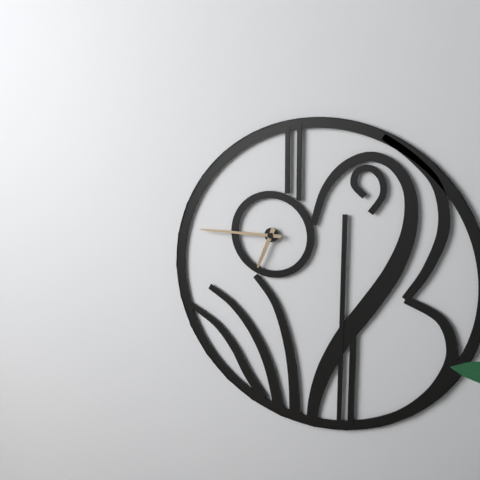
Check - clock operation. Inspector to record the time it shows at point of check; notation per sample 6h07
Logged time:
6h45
